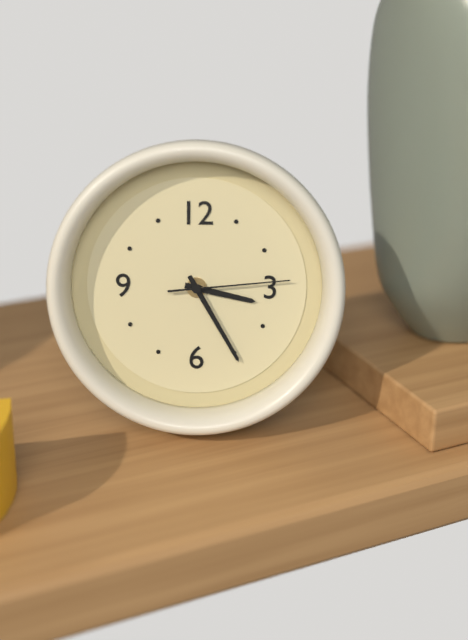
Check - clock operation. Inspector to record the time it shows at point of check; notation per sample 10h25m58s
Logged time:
3h25m14s
